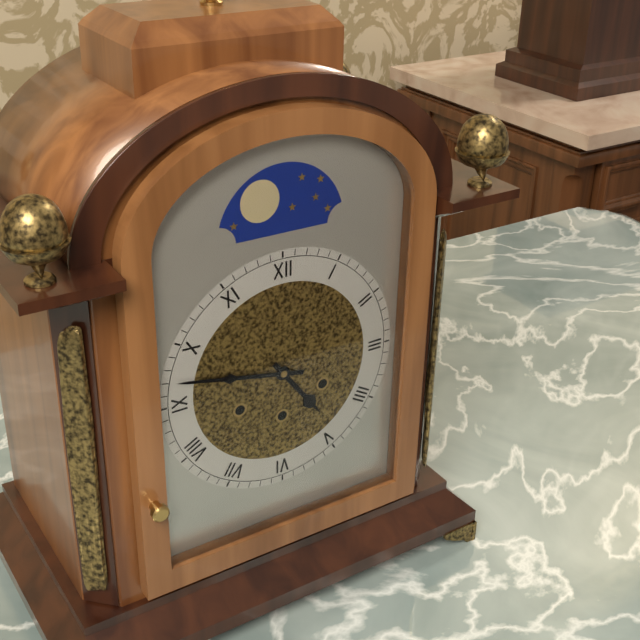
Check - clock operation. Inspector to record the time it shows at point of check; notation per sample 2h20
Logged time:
4h47
